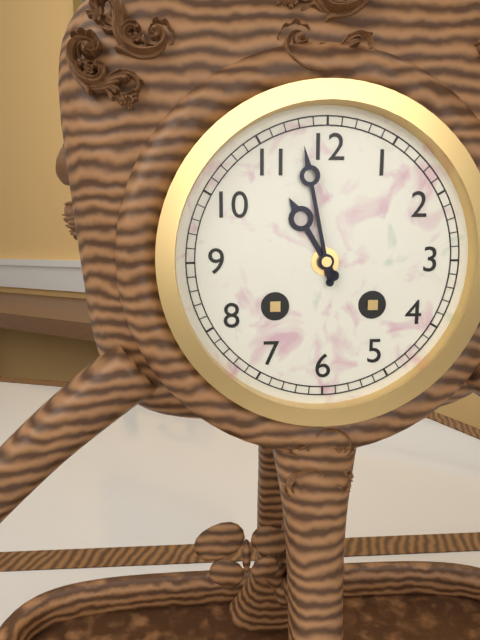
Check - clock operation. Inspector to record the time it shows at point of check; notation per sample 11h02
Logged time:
10h58
